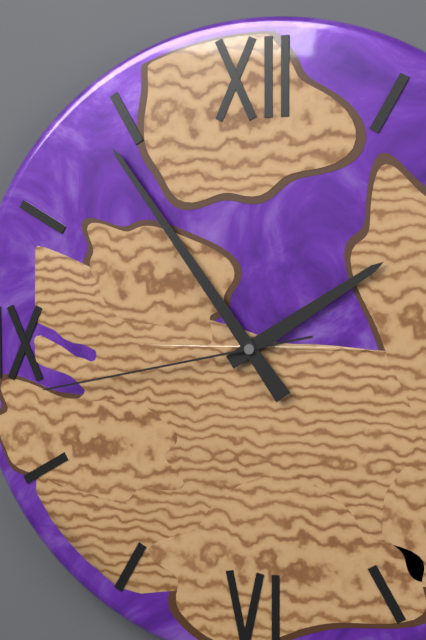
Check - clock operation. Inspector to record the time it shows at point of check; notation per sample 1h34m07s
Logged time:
1h54m43s
